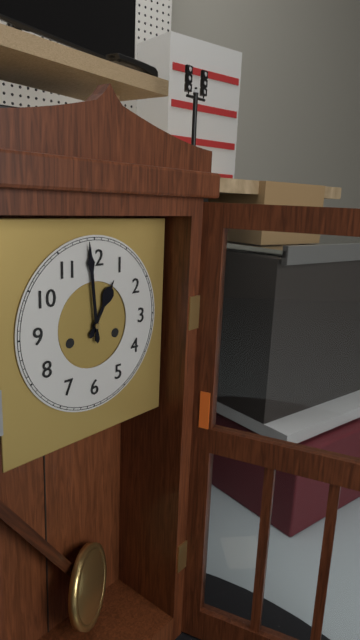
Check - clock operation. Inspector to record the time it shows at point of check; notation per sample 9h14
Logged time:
12h59
